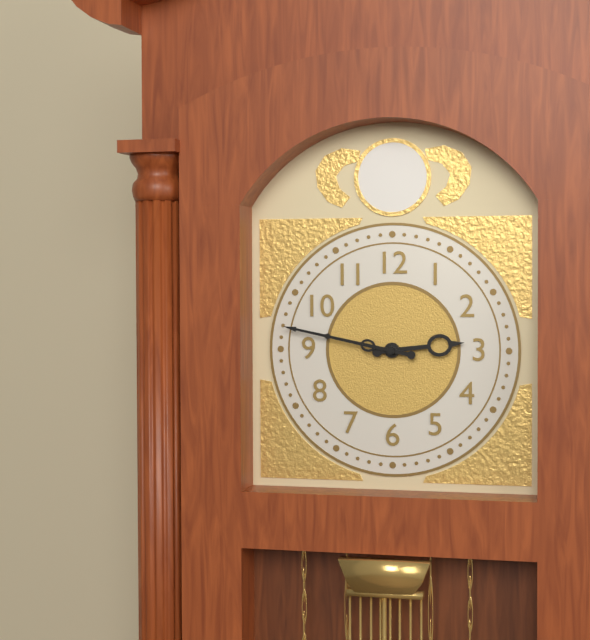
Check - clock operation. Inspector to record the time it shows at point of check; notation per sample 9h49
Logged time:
2h47
